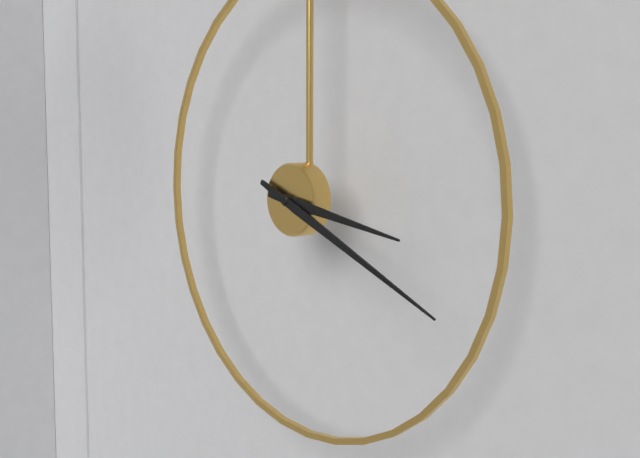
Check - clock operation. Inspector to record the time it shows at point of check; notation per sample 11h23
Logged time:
3h19
